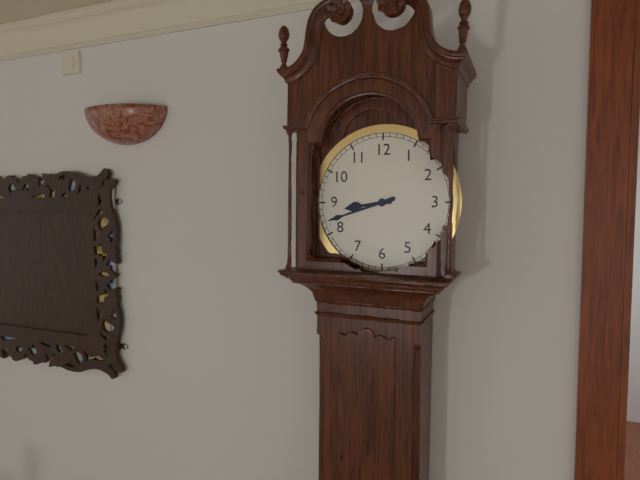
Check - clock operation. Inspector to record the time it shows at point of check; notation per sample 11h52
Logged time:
8h42
